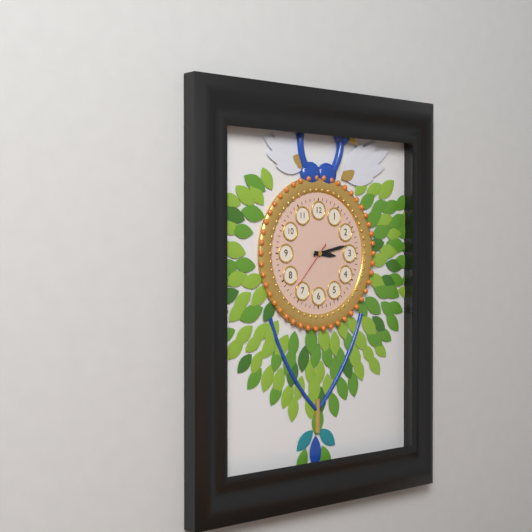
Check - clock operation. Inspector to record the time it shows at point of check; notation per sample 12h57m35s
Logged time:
3h13m37s
